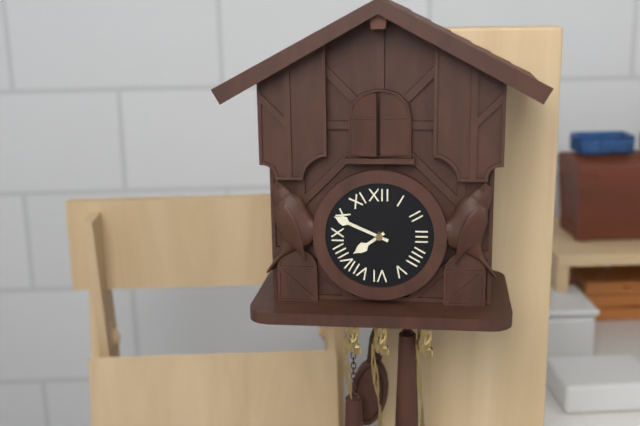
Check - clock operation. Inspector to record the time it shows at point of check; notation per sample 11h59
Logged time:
7h49
